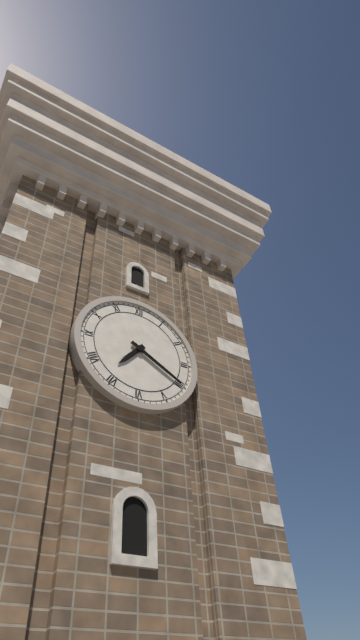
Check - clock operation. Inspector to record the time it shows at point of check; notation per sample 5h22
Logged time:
7h20
